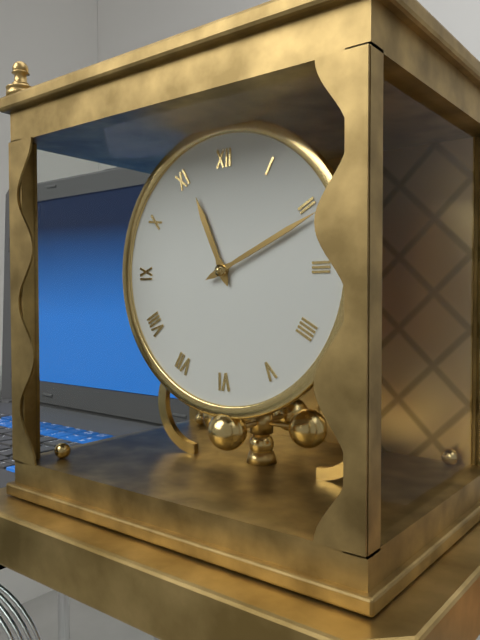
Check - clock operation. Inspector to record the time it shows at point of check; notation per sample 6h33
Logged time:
11h11
